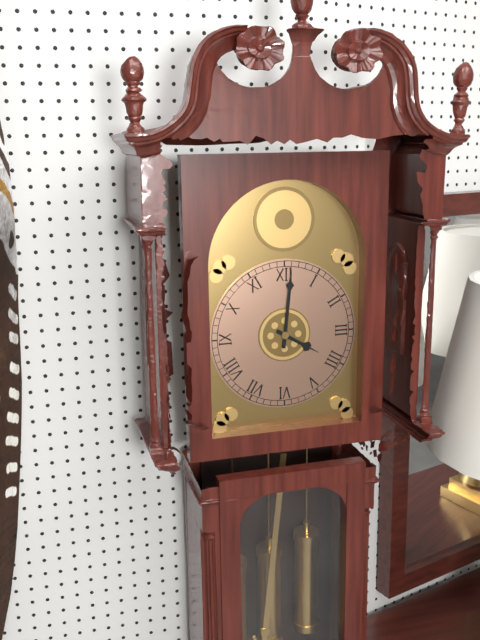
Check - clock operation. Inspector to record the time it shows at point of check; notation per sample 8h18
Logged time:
4h01
